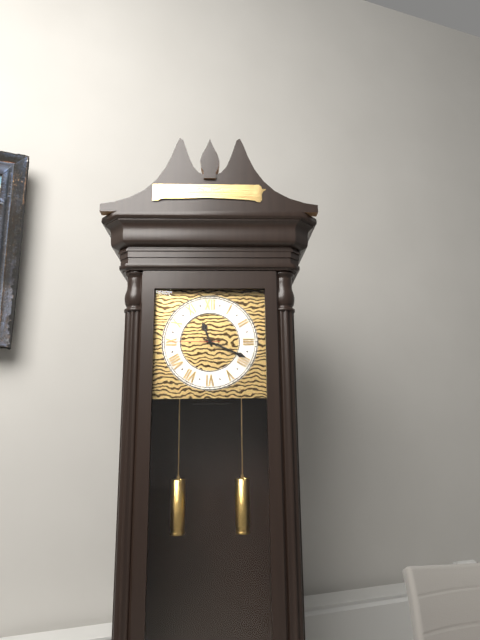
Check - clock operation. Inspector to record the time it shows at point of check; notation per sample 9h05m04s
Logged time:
11h19m45s
